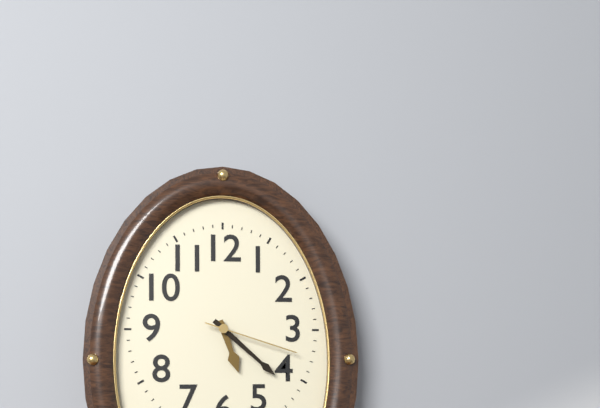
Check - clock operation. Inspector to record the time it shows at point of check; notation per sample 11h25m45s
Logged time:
5h22m18s
